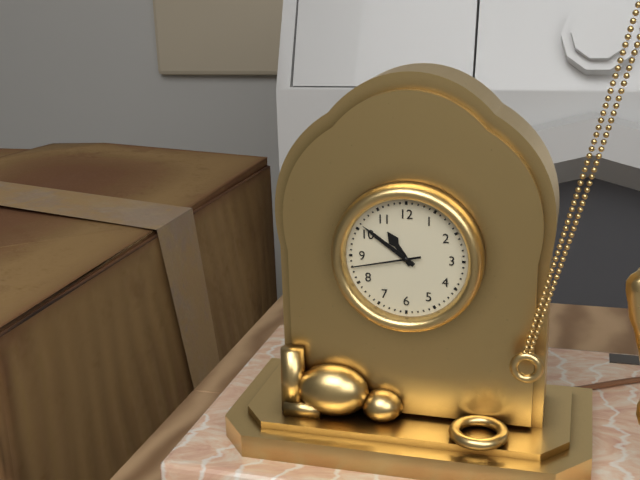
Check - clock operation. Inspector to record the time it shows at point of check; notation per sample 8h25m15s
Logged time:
10h51m43s
